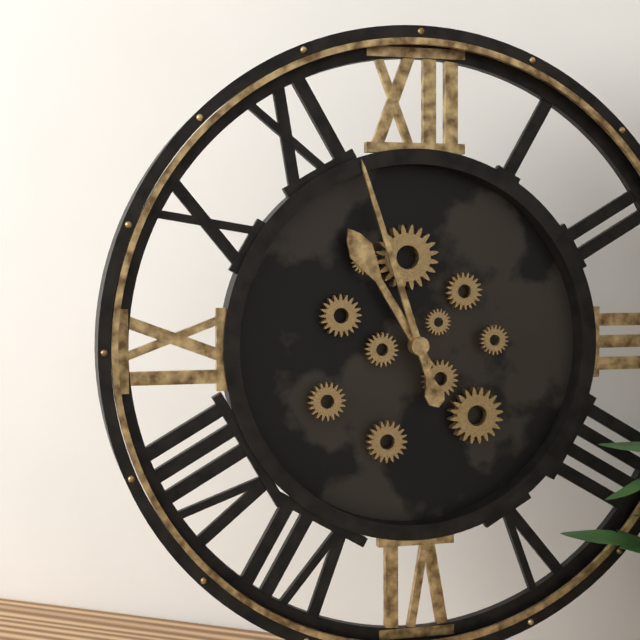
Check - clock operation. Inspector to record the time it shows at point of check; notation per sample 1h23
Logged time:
10h57
